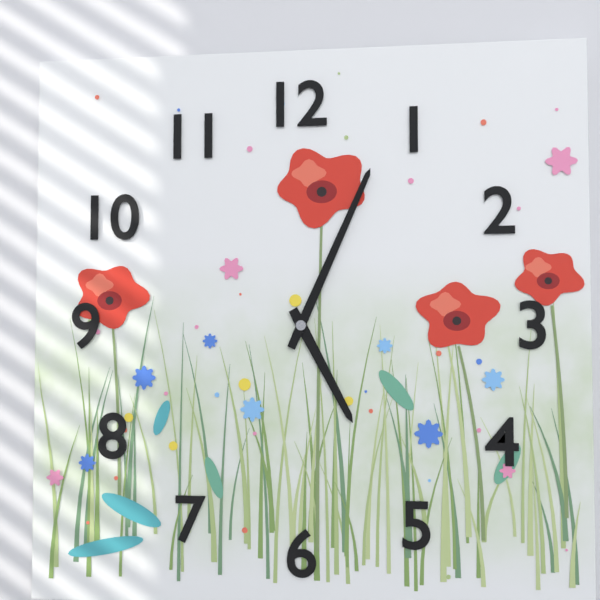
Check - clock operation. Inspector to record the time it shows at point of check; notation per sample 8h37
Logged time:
5h04
